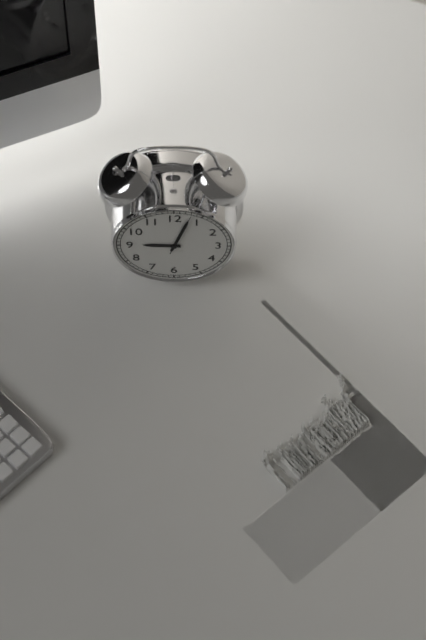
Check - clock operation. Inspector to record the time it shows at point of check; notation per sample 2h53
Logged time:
9h03
